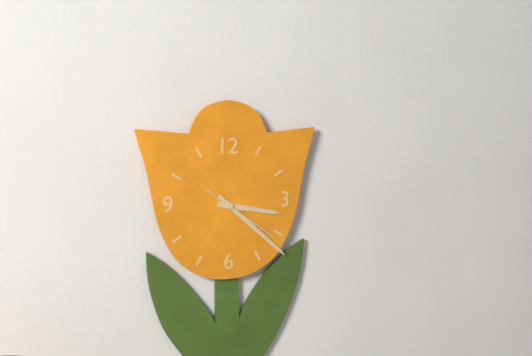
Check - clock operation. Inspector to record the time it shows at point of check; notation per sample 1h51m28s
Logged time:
3h22m21s
